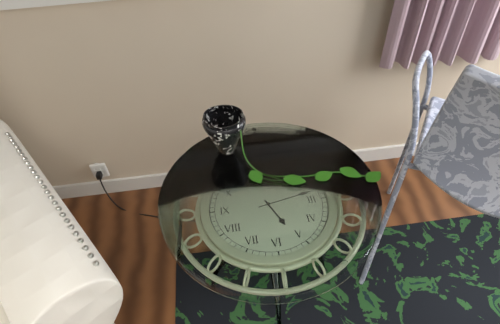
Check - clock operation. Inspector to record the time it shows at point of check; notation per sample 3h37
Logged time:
5h13
